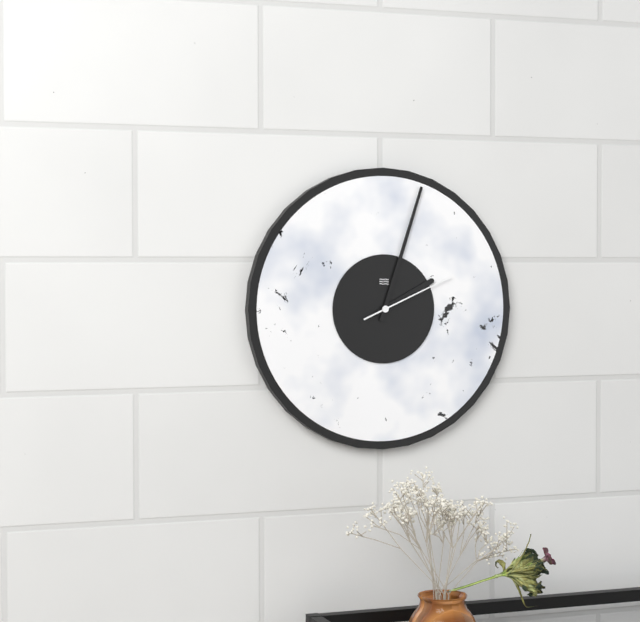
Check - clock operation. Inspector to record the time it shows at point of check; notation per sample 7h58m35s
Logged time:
2h03m11s
